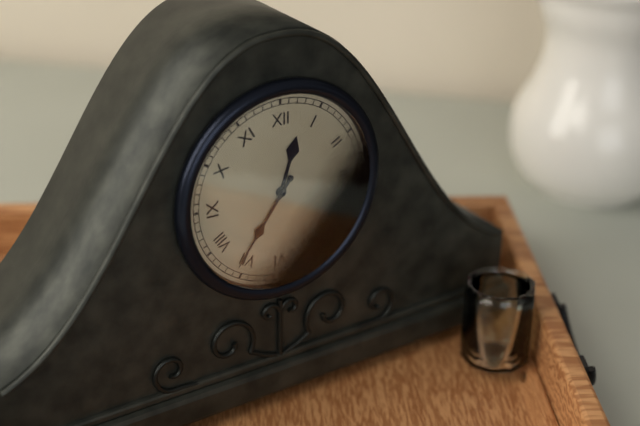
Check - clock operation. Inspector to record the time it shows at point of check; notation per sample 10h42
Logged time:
12h36
